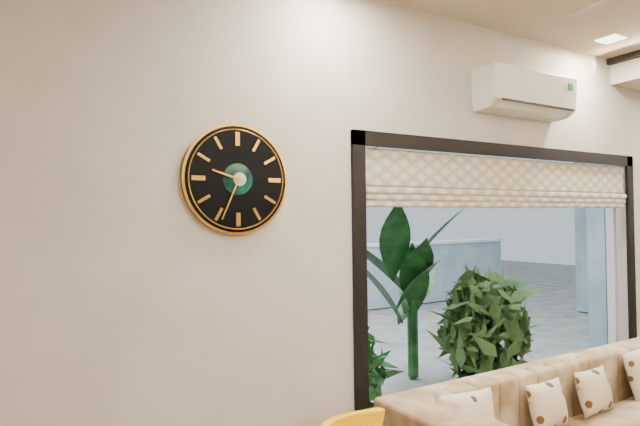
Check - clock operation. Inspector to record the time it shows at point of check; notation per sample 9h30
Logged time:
9h34
